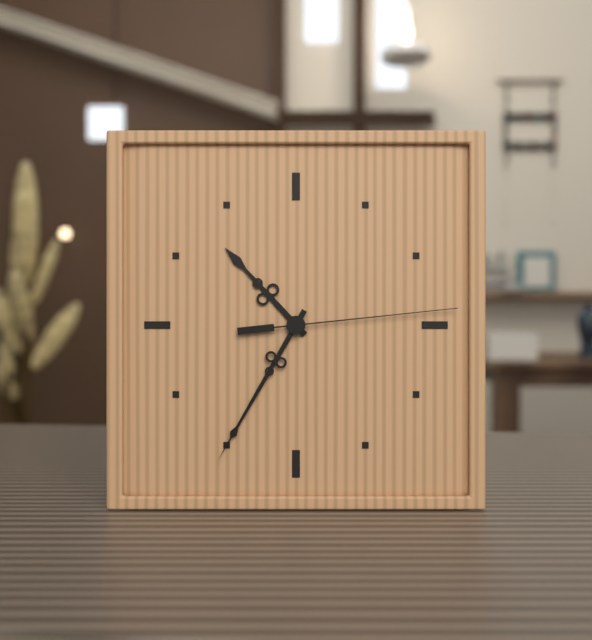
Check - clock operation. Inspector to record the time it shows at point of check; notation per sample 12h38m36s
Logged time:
10h35m14s
